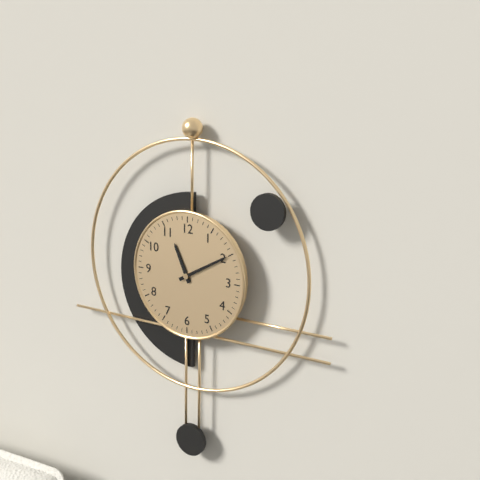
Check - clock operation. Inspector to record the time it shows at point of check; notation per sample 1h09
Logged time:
11h10
